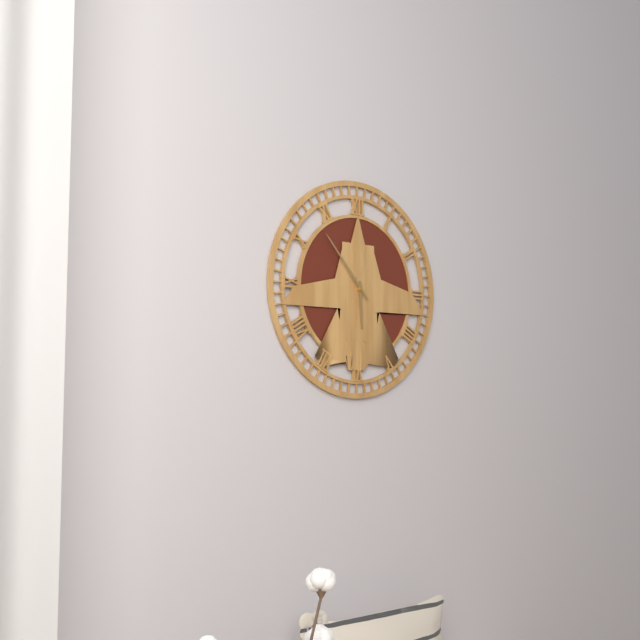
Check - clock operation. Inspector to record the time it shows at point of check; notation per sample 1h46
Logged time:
5h53
